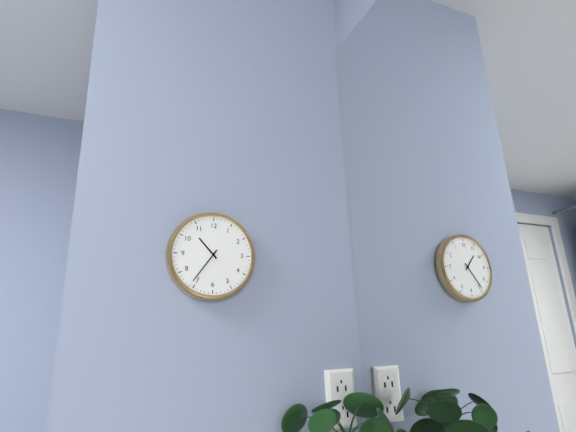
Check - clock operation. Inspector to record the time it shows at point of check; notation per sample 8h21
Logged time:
10h36
